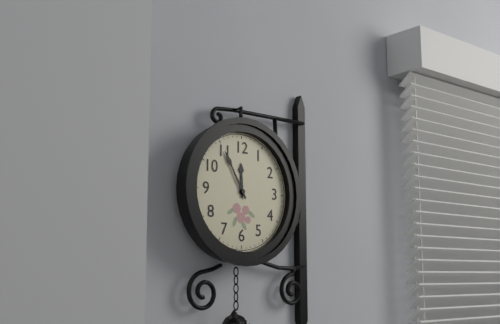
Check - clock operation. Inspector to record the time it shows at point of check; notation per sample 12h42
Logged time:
11h55
